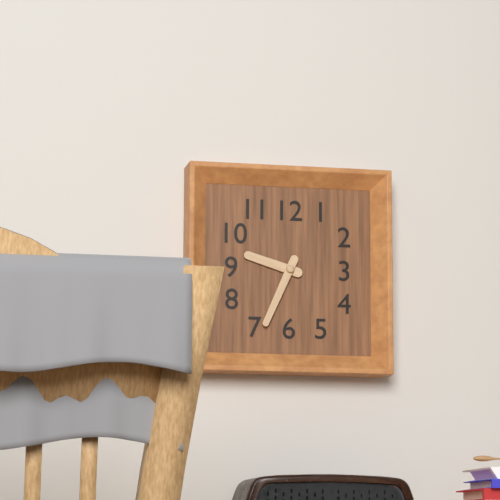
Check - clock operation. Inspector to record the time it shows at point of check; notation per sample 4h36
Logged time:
9h34
